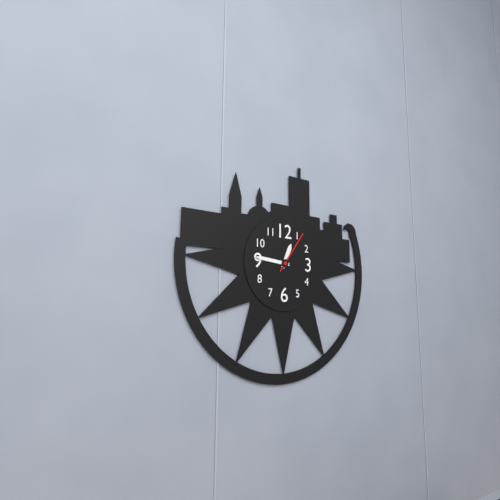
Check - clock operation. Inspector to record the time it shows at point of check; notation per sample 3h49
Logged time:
12h46
